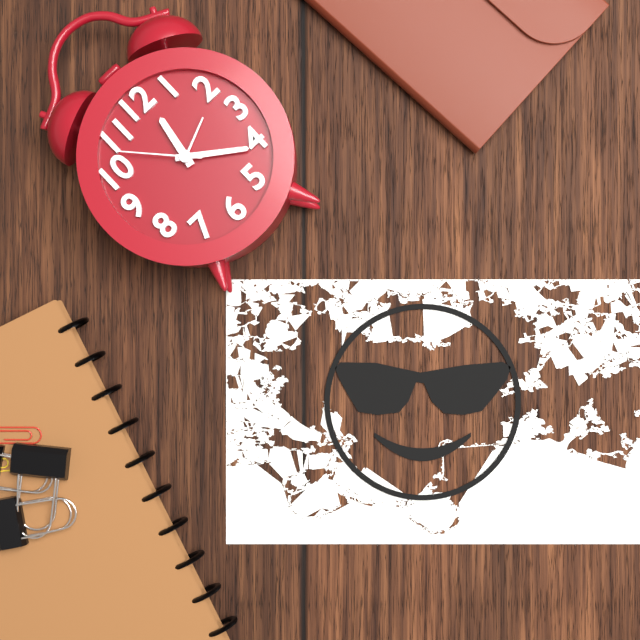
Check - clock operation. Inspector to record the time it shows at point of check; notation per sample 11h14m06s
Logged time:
12h21m53s
